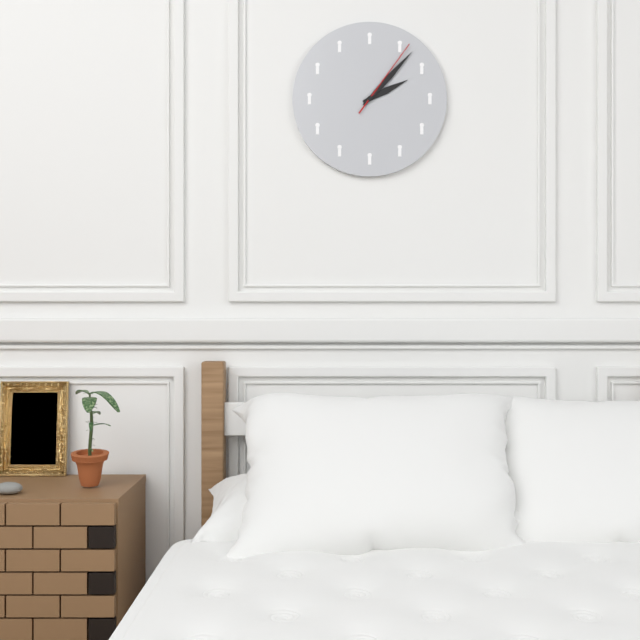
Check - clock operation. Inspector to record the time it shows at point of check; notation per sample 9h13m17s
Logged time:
2h07m06s
